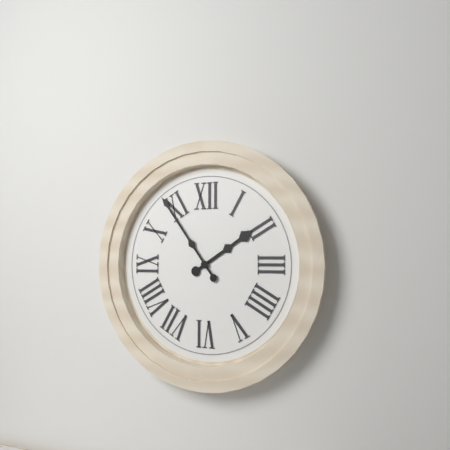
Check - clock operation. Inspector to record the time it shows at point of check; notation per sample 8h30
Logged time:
1h54
